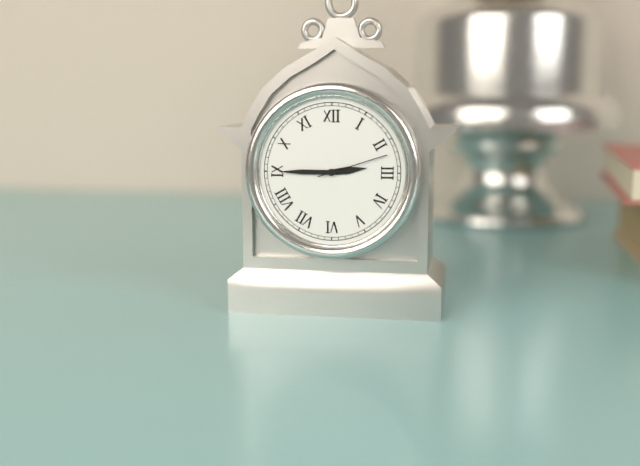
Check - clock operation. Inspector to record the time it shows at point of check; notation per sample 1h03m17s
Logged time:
2h45m12s
